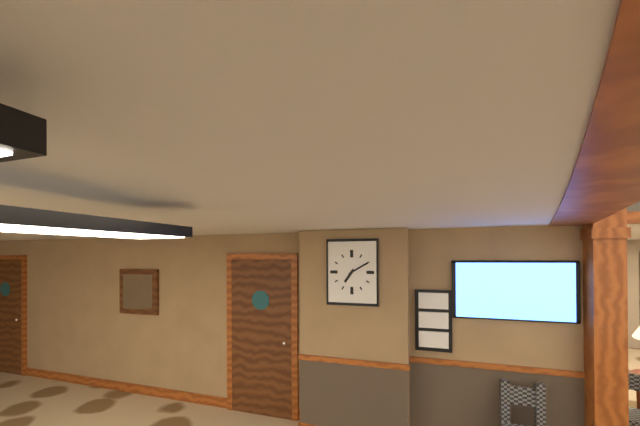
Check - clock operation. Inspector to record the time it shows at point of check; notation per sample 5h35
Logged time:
7h10
